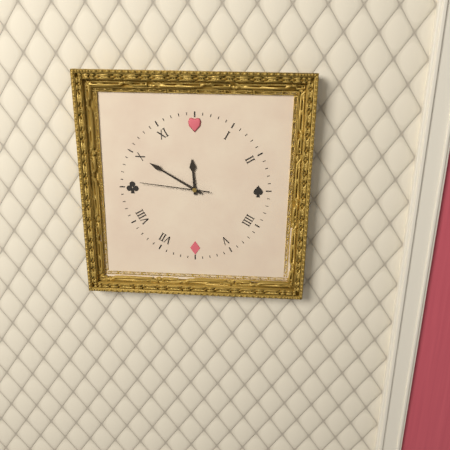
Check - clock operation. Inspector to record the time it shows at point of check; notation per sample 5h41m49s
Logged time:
11h50m46s
